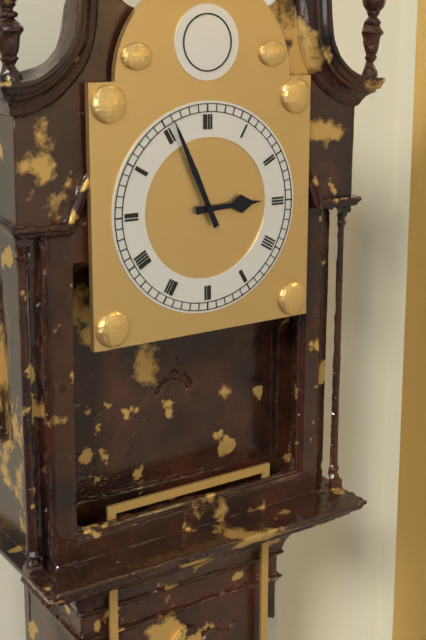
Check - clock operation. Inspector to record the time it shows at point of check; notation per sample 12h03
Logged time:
2h56
